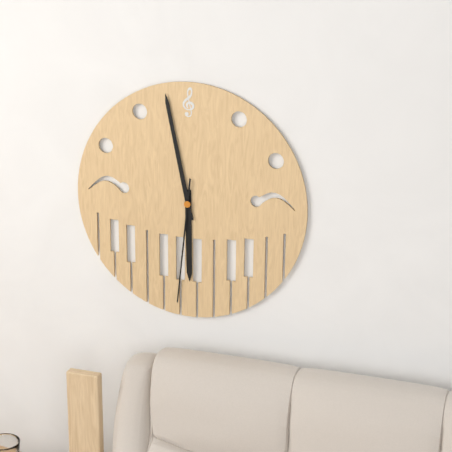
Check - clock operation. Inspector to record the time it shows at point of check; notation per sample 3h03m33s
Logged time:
5h58m31s
